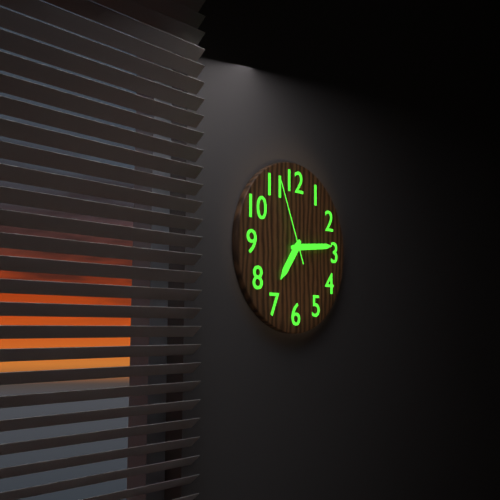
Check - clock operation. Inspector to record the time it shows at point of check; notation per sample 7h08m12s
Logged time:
7h14m56s
